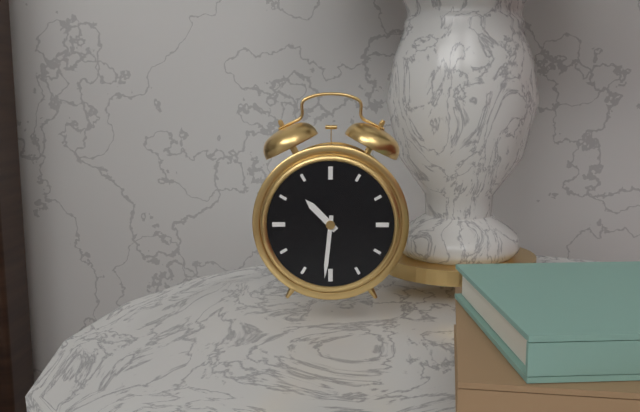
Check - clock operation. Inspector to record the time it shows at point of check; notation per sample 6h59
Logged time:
10h31
